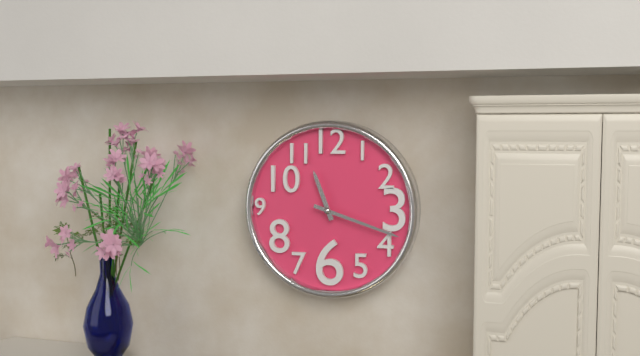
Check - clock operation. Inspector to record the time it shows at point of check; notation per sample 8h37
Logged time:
11h18
